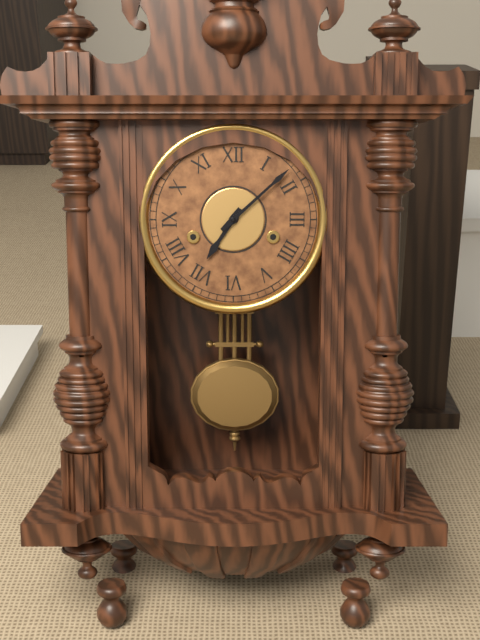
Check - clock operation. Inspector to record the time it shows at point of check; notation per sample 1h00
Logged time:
7h08
